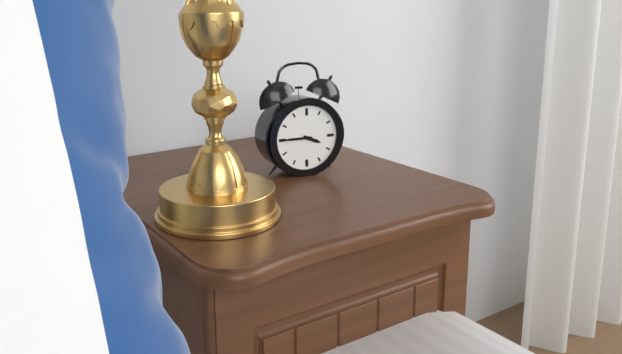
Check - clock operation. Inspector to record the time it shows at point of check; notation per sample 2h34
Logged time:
3h45
